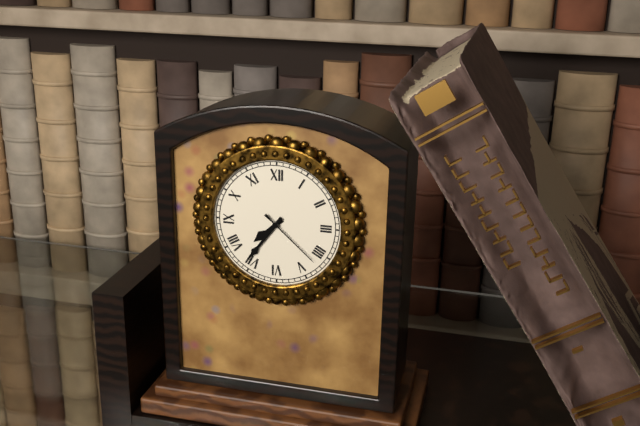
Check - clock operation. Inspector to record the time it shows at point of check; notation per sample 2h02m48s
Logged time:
7h36m22s
